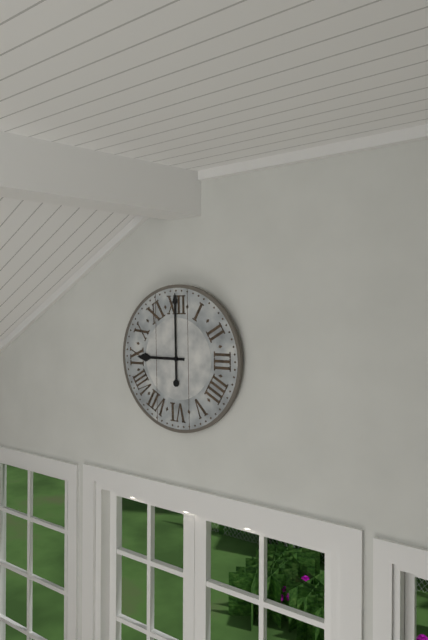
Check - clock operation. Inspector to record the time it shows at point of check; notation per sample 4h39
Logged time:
9h00
